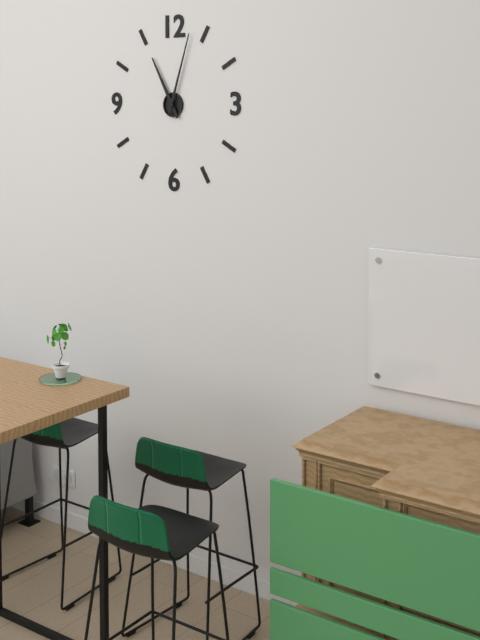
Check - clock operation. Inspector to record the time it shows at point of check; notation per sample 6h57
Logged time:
11h03
